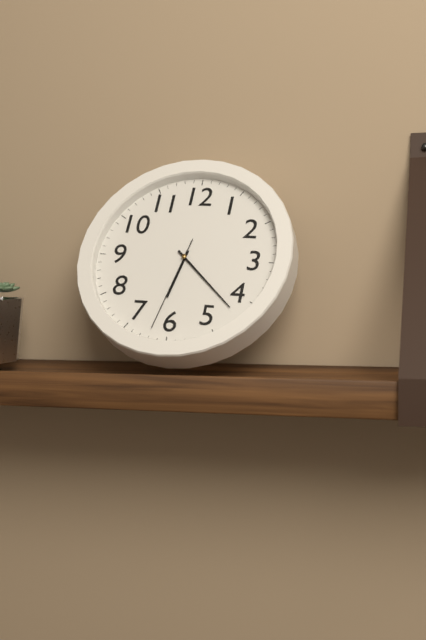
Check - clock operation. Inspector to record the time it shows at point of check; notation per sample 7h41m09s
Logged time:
6h22m32s
